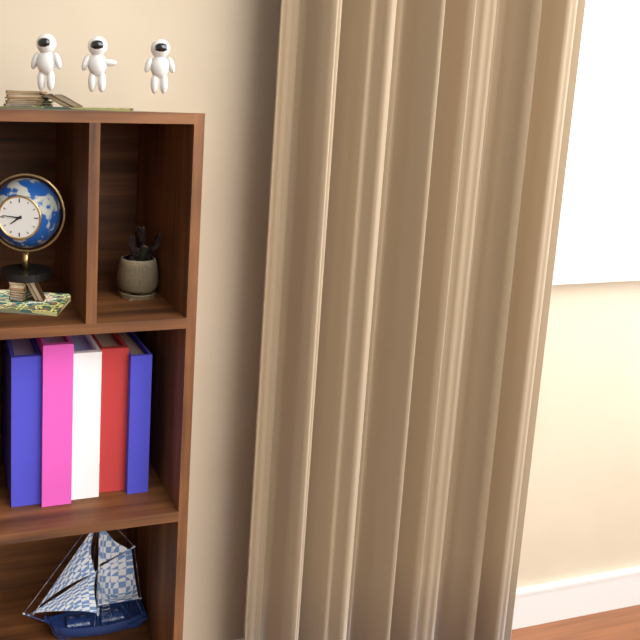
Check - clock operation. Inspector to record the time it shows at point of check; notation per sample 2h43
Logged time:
7h46
